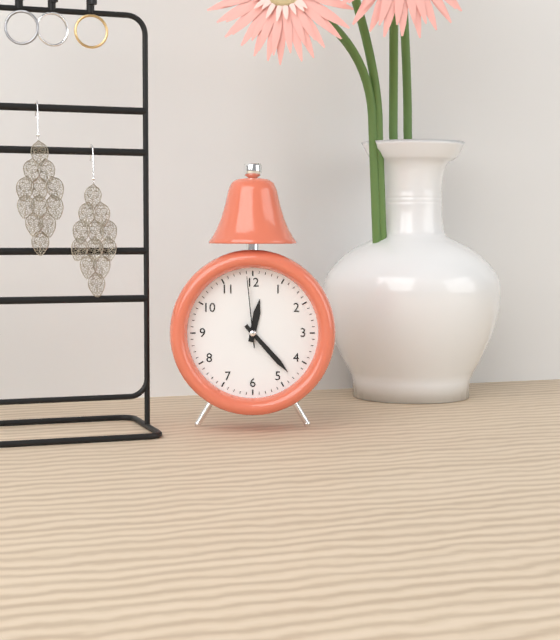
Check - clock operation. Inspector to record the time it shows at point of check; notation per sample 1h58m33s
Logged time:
12h23m59s
